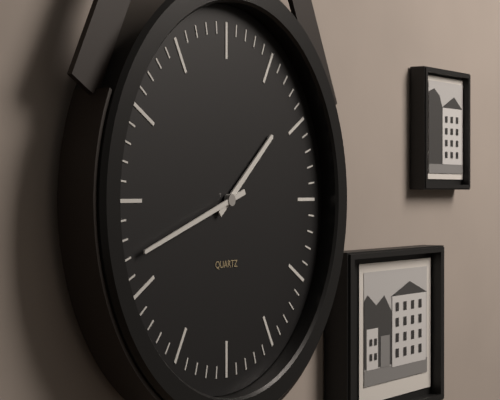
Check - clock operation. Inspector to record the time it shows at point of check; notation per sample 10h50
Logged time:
1h42
